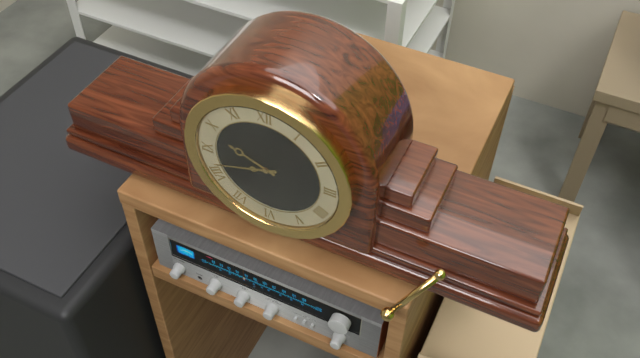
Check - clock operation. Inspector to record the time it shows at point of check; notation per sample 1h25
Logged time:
9h42
